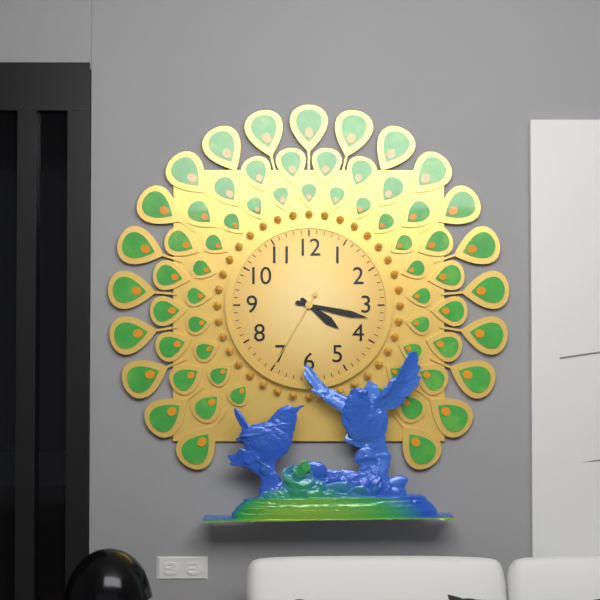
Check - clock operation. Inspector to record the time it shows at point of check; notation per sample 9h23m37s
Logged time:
4h17m35s
